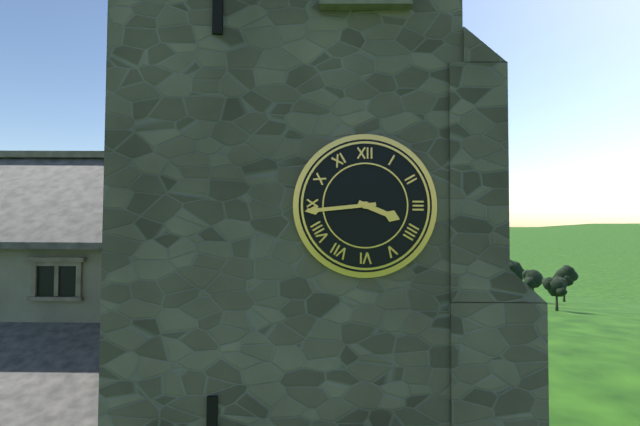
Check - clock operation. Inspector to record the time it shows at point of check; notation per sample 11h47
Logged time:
3h44
